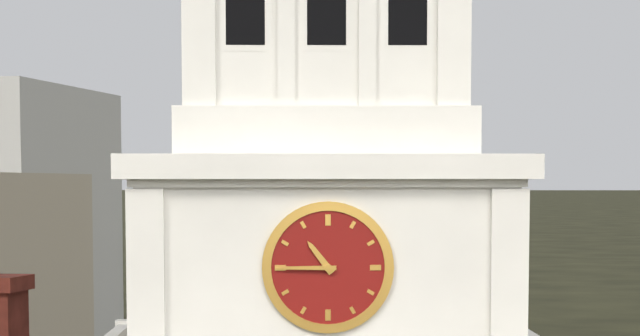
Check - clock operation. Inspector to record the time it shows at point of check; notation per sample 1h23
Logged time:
10h45
